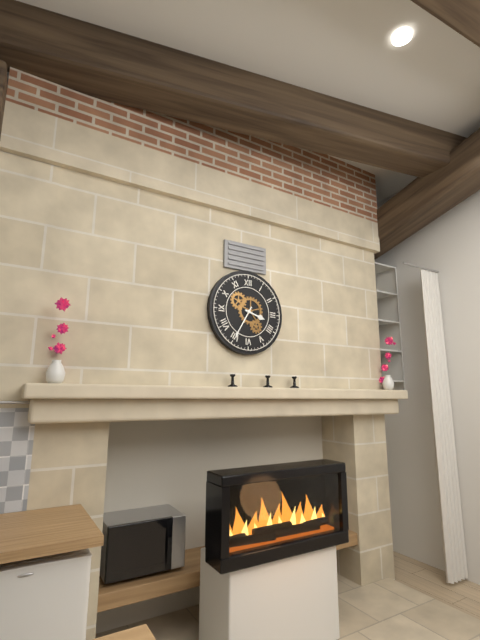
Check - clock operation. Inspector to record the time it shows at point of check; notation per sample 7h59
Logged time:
3h35
